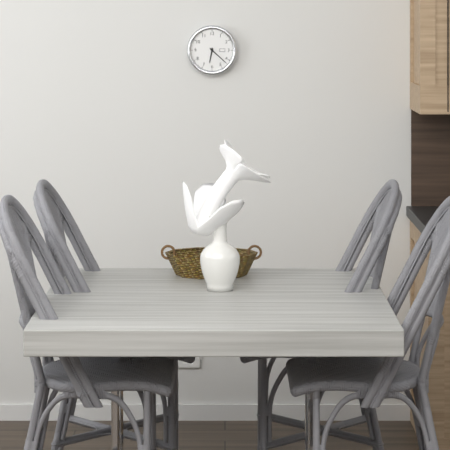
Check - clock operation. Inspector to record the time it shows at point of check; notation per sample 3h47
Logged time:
6h22
